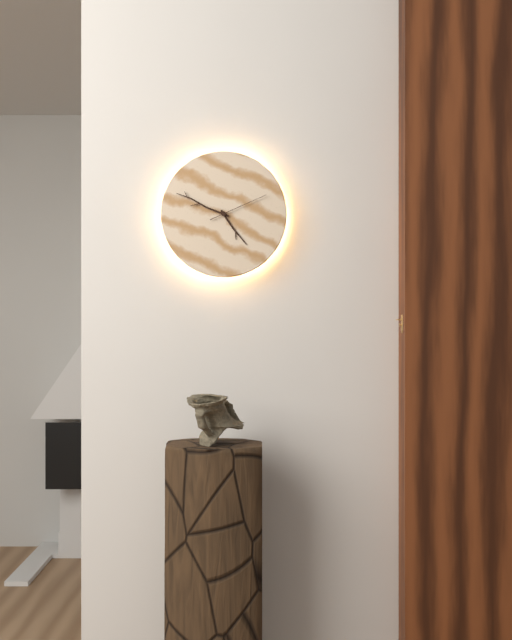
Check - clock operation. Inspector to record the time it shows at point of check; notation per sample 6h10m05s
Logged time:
4h49m11s
